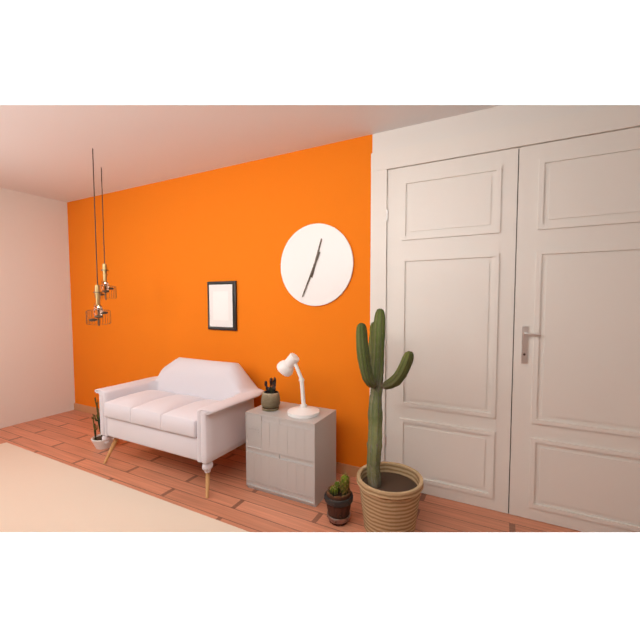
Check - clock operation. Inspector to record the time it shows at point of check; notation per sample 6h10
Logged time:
12h34
